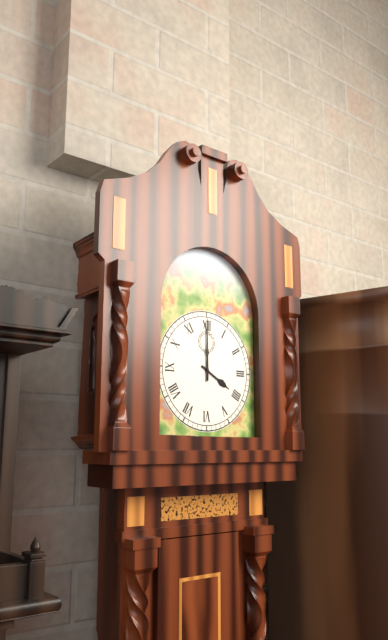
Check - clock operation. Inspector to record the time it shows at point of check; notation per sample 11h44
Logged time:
4h00
